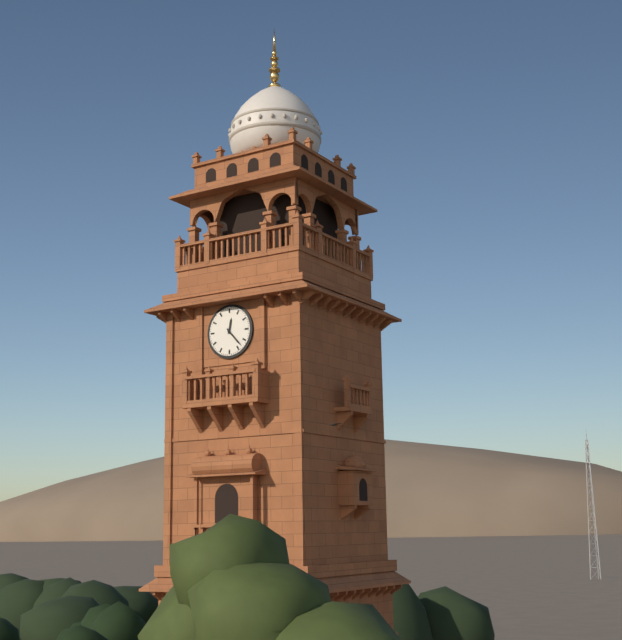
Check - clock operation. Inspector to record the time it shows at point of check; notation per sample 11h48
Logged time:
12h23
